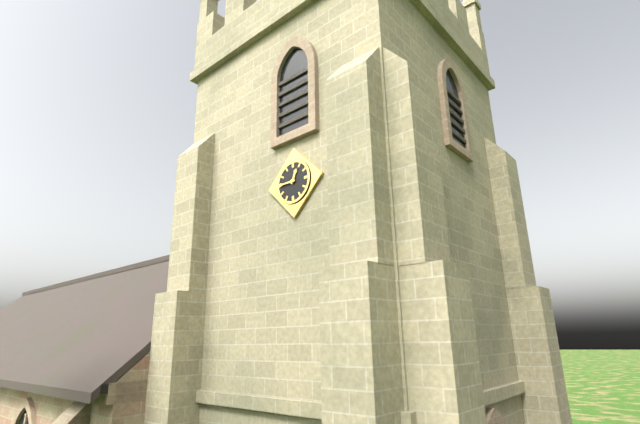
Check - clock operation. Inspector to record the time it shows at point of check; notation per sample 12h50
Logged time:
12h45
